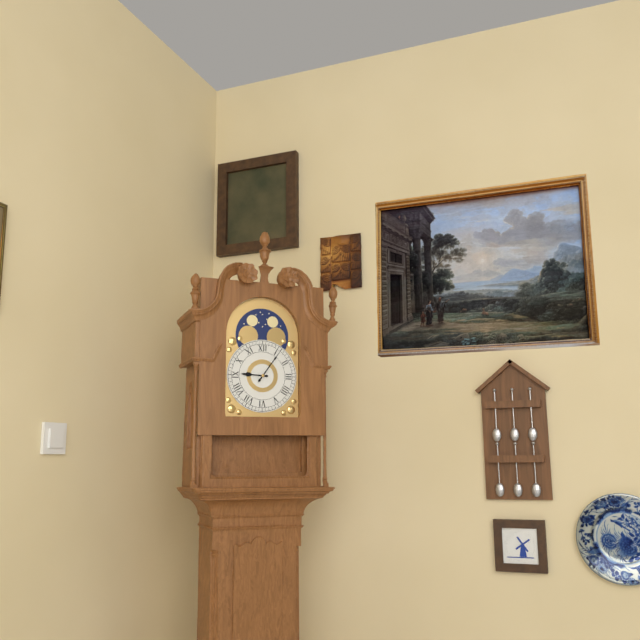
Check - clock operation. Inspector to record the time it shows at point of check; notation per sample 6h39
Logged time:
9h06
